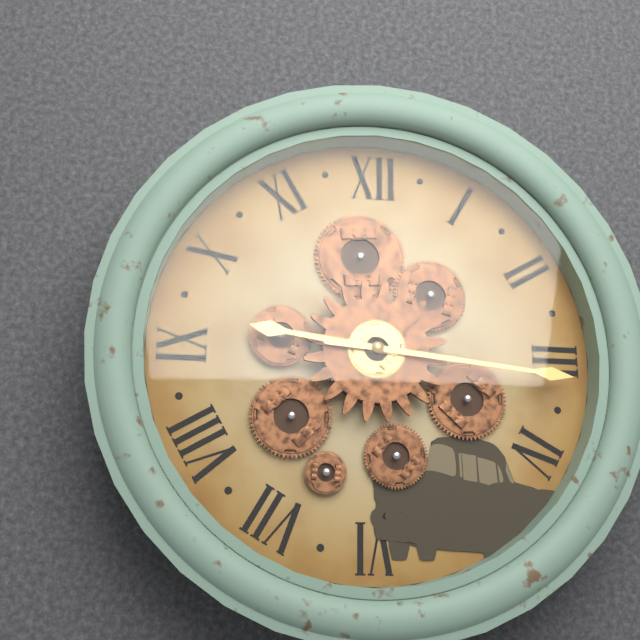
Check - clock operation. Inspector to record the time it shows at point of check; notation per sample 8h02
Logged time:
9h16
